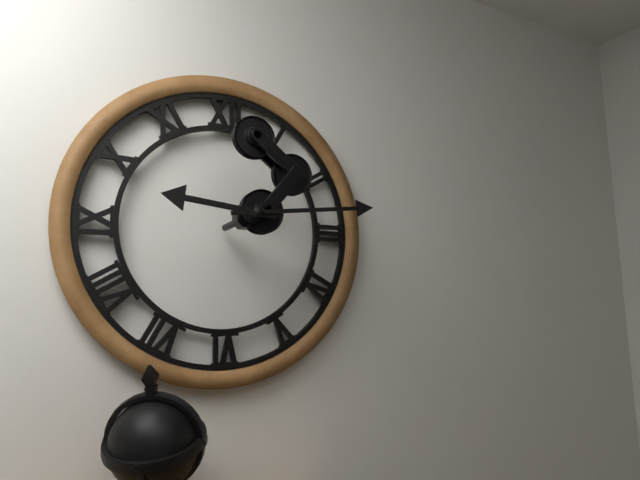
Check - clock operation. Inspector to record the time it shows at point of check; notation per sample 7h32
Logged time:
9h14
